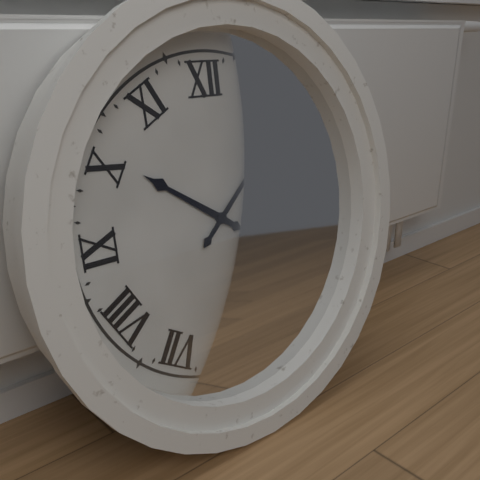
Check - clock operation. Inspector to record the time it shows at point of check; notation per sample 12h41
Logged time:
10h08
